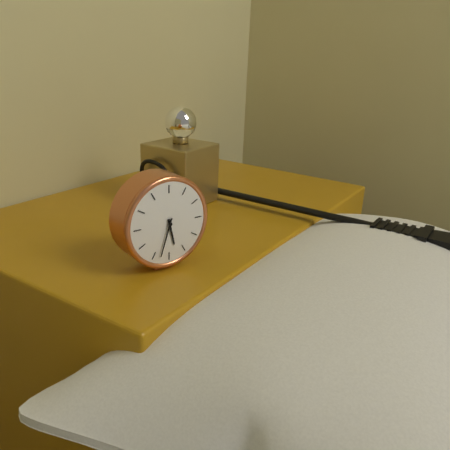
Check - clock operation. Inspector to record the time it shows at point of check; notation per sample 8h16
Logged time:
5h33
